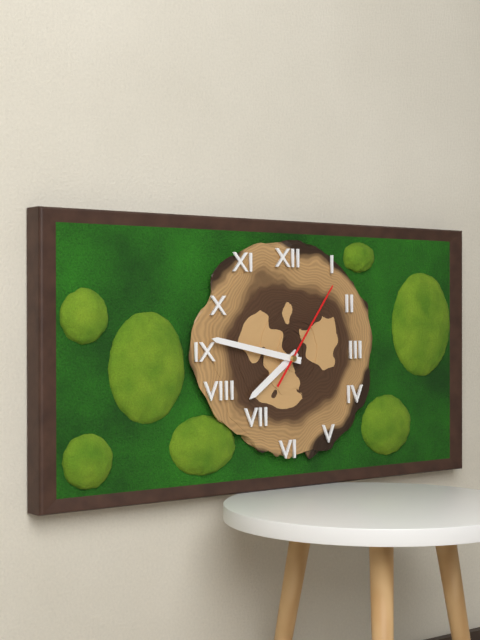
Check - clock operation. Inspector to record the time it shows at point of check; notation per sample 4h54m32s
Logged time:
7h47m06s
